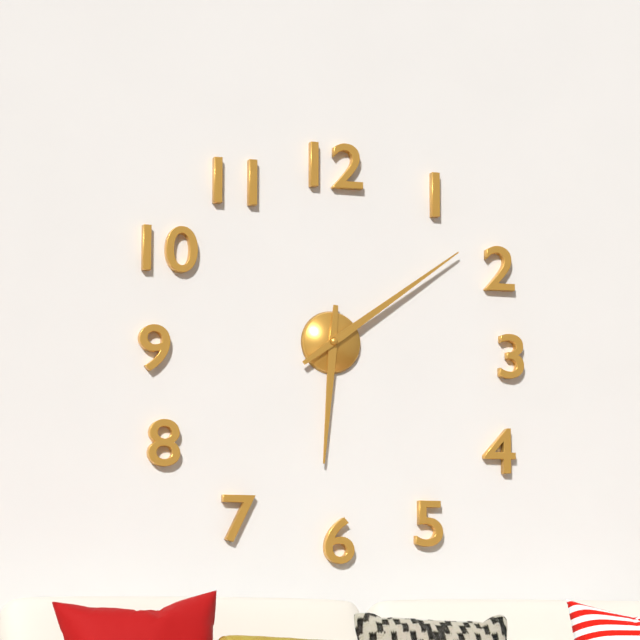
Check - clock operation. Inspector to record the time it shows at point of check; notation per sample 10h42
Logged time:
6h09
